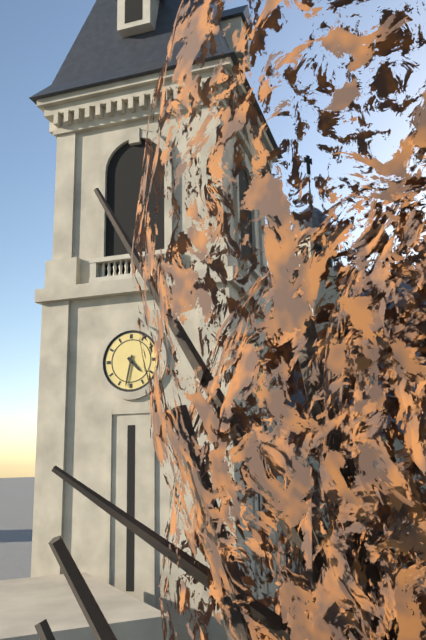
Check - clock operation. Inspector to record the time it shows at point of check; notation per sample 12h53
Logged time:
4h32
